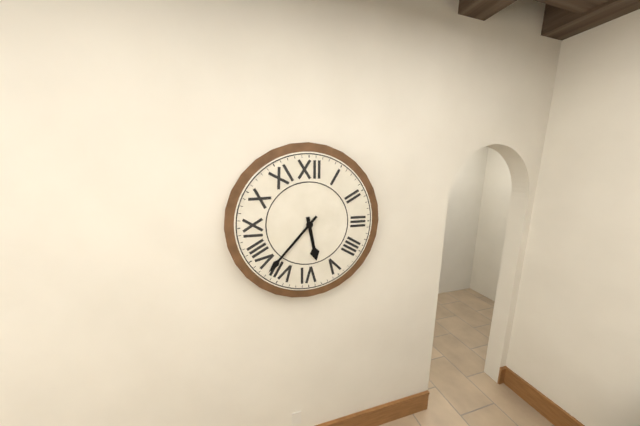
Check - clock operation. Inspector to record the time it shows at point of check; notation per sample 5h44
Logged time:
5h37
